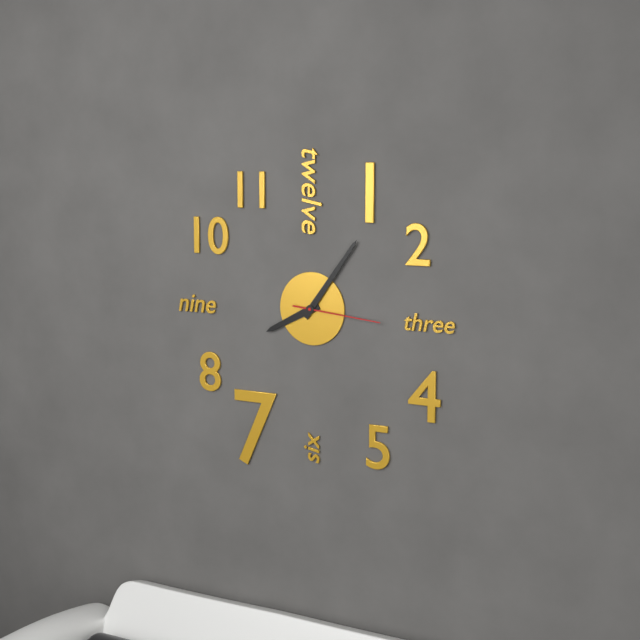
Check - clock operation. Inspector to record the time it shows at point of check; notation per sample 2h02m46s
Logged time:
8h06m16s
